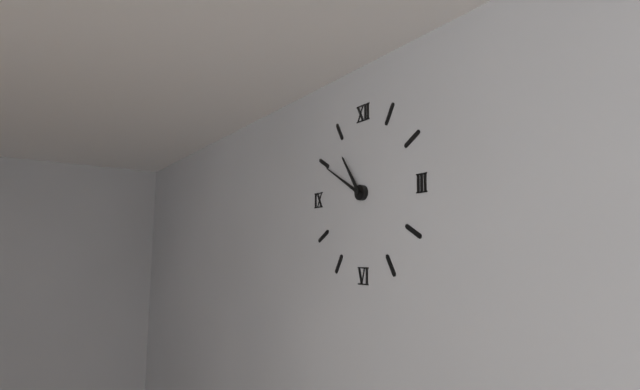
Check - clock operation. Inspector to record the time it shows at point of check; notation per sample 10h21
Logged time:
10h50
